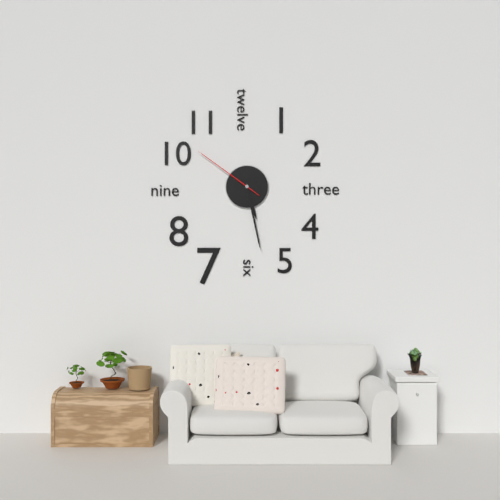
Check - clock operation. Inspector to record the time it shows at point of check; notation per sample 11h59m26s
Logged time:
5h28m51s
